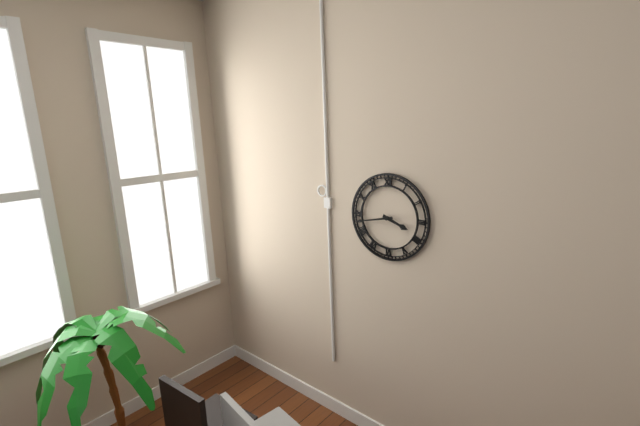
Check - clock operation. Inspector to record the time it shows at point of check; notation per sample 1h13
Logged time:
3h43
